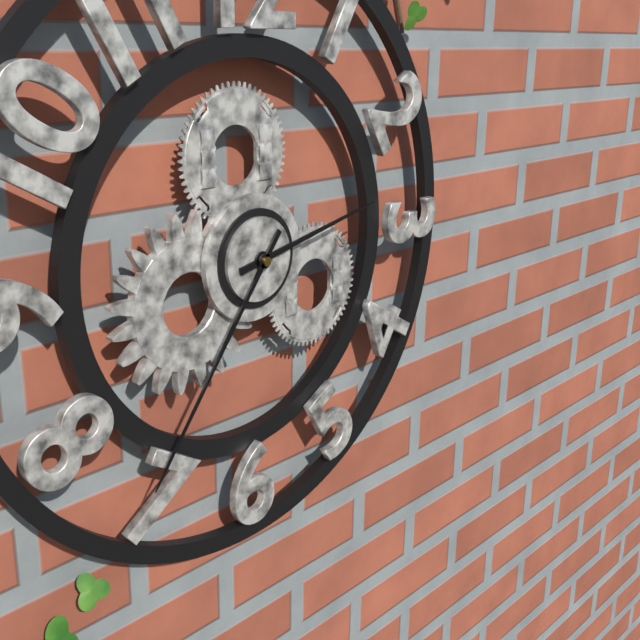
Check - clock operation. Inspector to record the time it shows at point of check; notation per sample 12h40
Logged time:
2h36
